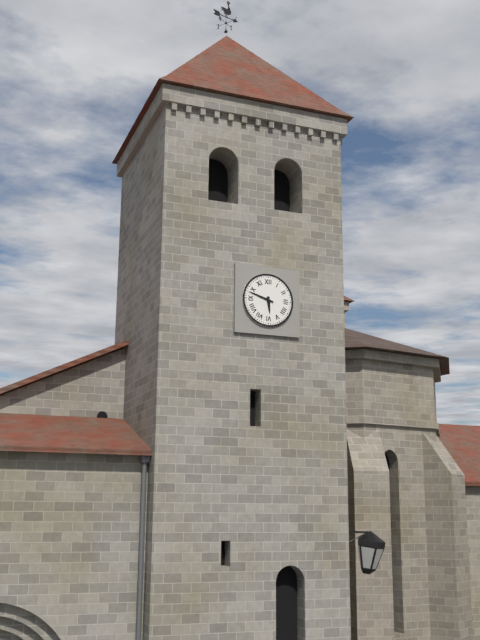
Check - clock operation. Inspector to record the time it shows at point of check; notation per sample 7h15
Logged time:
5h48
